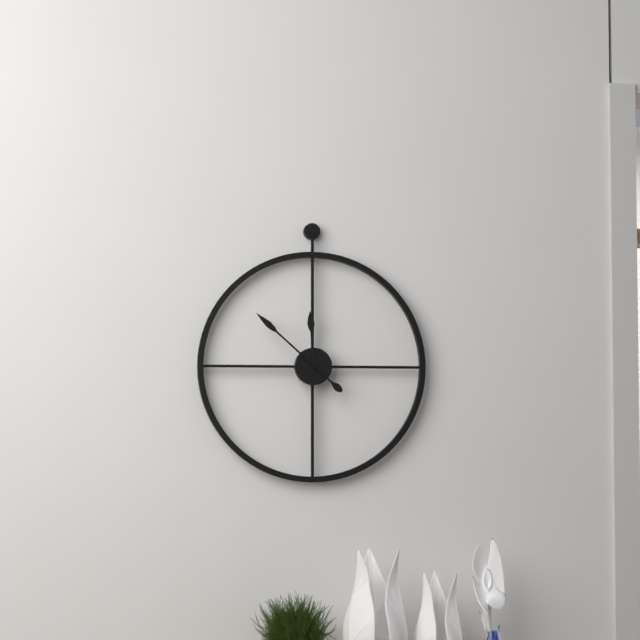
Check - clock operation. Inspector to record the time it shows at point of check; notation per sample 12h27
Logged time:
11h52
